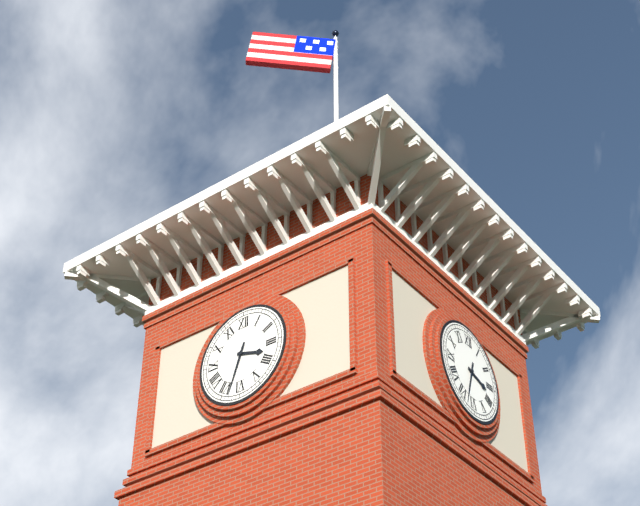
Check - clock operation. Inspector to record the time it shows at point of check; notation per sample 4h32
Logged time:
3h33
